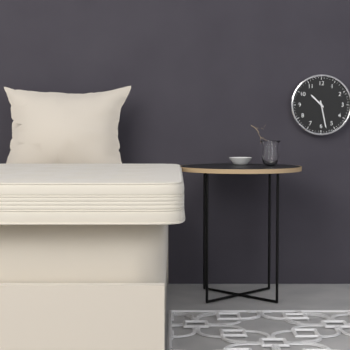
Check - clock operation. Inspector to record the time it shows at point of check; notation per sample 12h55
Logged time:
10h28
